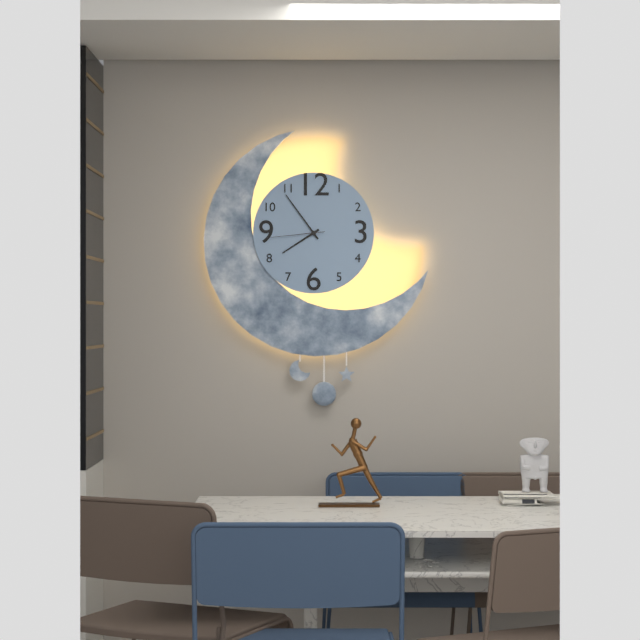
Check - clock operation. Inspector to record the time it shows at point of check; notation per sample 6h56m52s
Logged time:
7h54m44s
